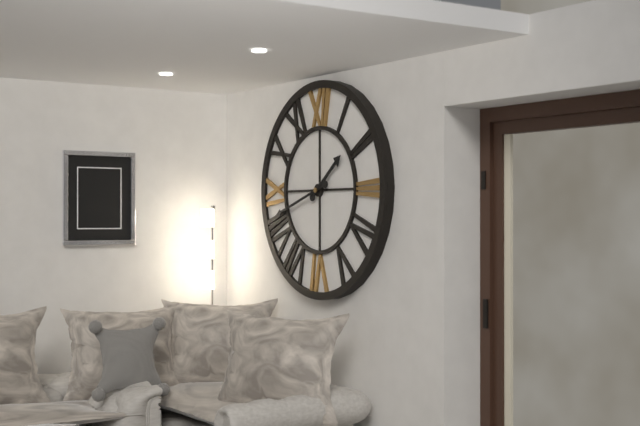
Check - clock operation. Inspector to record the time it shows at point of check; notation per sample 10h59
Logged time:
1h42
